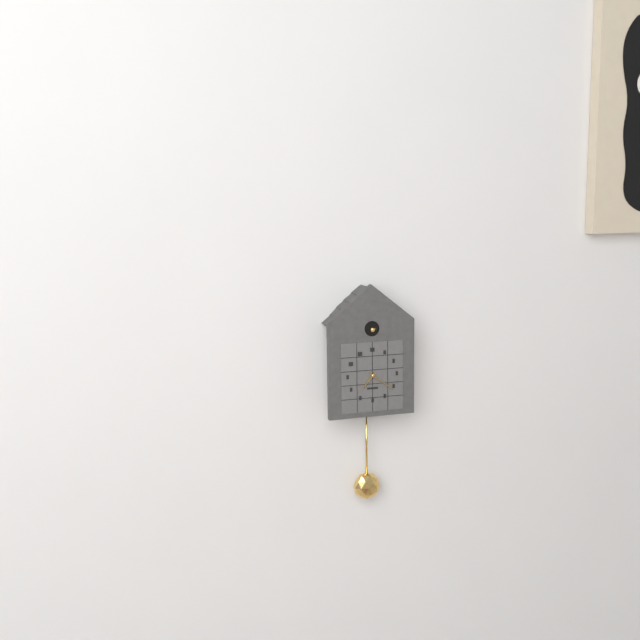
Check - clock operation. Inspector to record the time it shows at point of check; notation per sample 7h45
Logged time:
7h21
